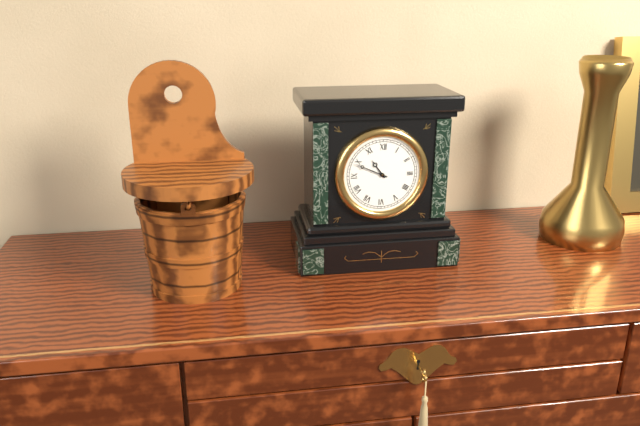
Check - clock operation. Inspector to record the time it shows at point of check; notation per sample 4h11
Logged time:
10h49
